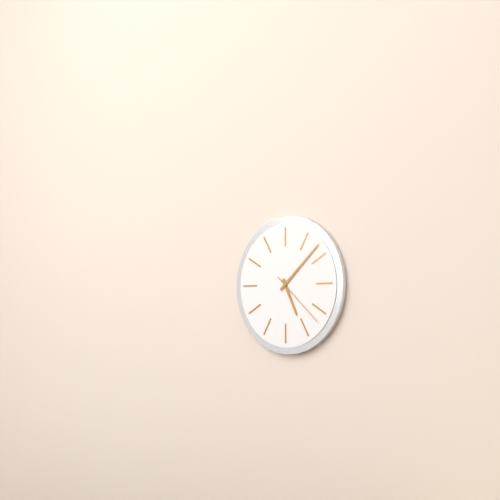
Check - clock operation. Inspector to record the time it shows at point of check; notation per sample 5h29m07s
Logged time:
5h08m22s
